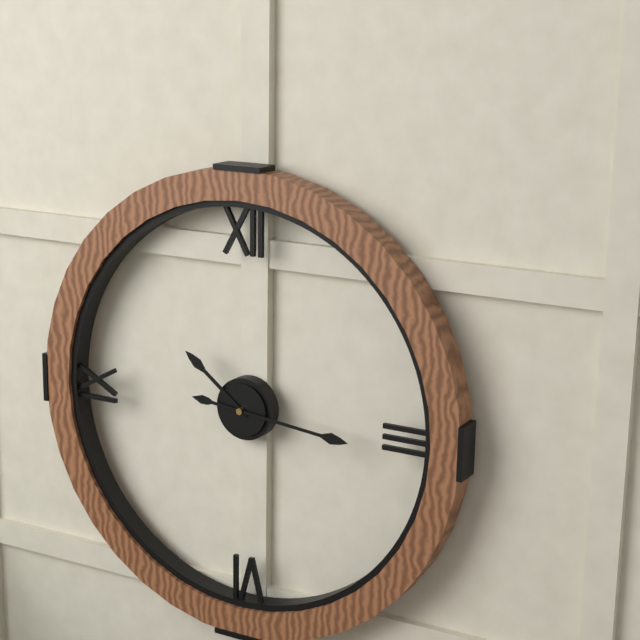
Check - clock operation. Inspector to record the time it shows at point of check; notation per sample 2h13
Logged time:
10h16
